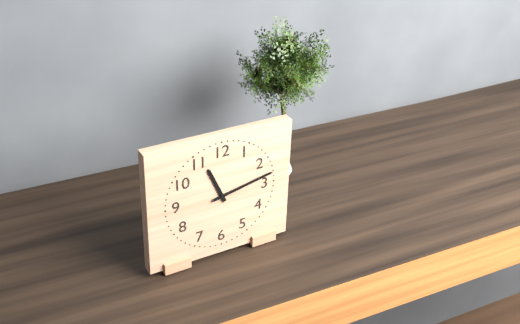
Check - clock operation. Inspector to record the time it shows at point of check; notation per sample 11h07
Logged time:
11h13
